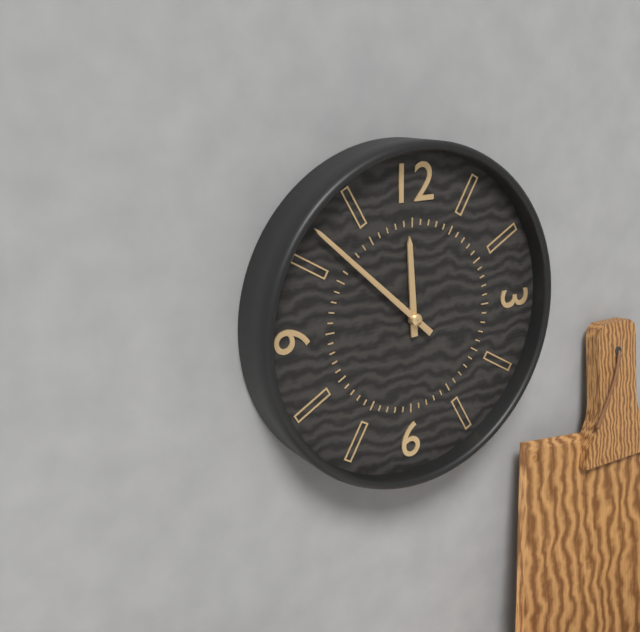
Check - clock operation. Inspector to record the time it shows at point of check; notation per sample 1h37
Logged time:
11h52
